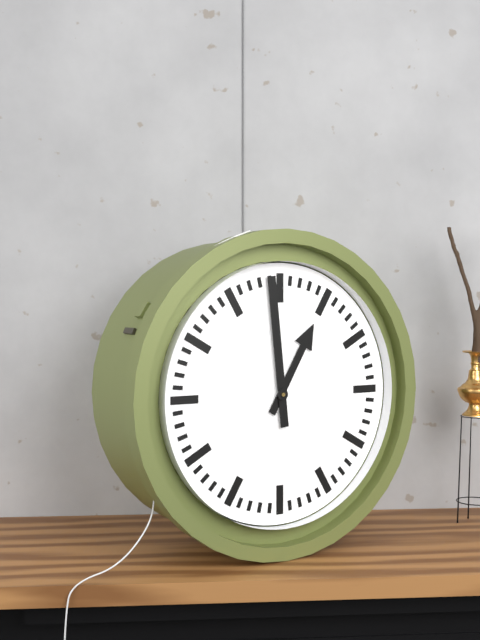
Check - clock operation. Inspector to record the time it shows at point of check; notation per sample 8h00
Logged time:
12h59
